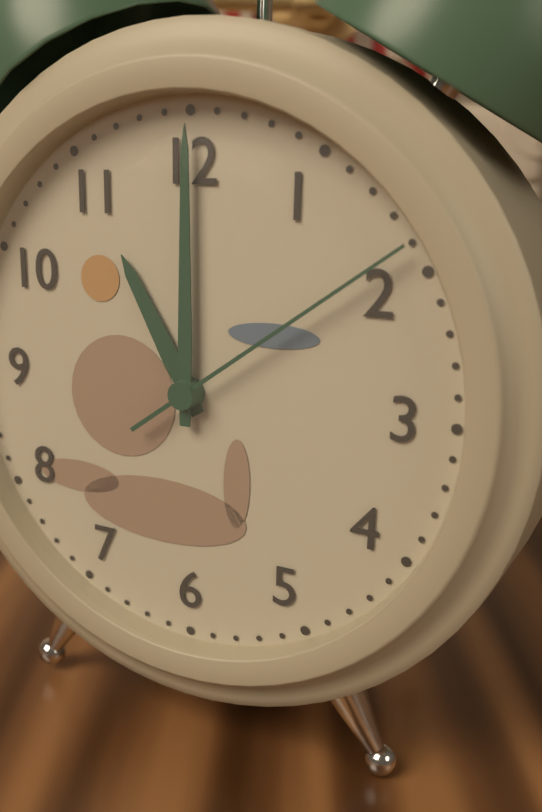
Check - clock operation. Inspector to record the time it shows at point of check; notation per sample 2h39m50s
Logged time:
11h00m09s
